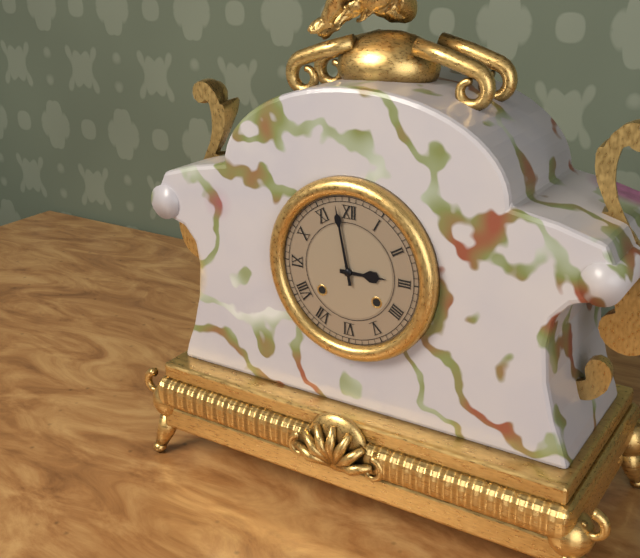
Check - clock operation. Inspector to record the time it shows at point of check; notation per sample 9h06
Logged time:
2h58
